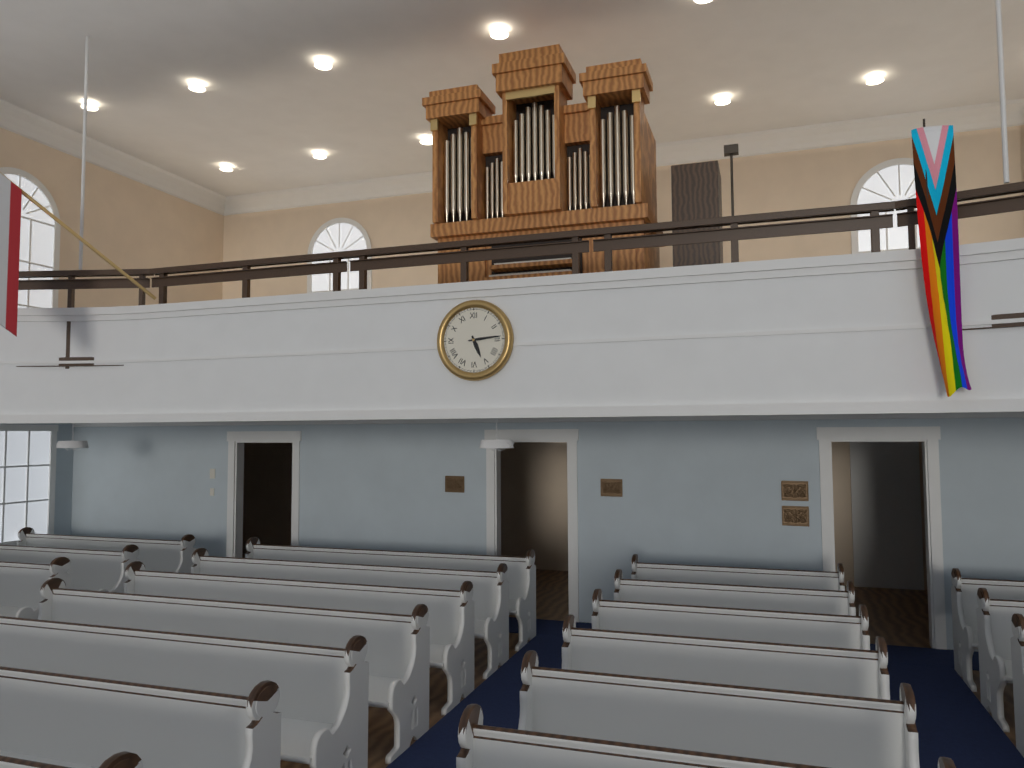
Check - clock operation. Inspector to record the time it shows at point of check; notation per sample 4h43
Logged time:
5h14
